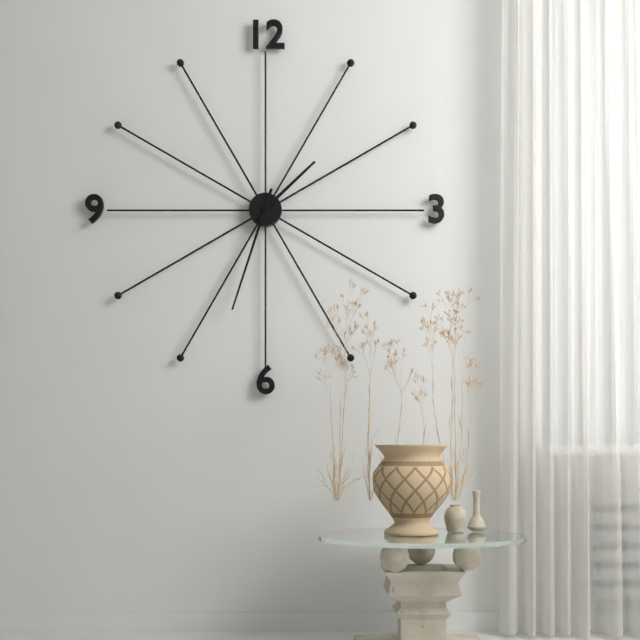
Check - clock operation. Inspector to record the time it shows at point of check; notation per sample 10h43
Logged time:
1h33
